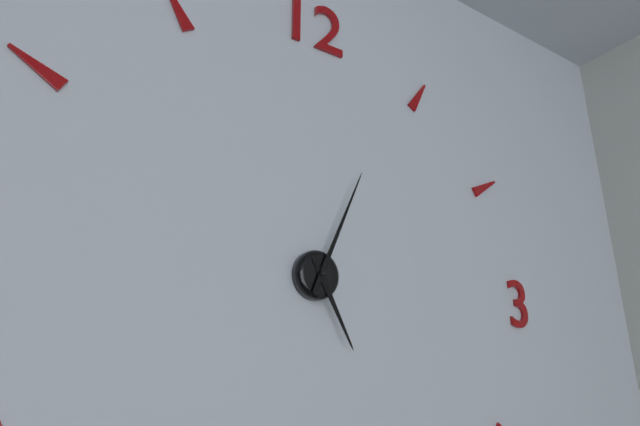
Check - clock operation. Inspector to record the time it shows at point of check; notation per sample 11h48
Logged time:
5h04
